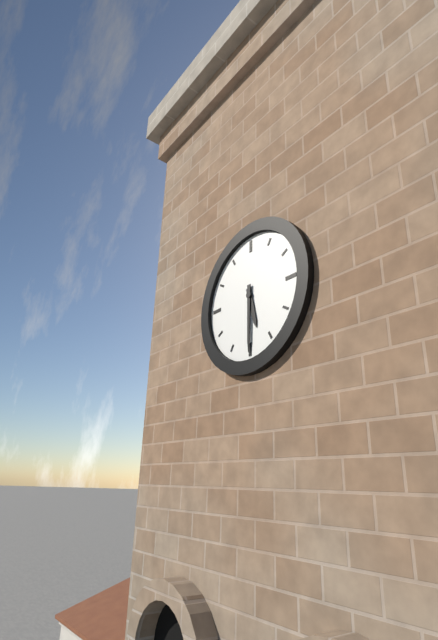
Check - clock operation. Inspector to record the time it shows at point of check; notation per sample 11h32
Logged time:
5h30
